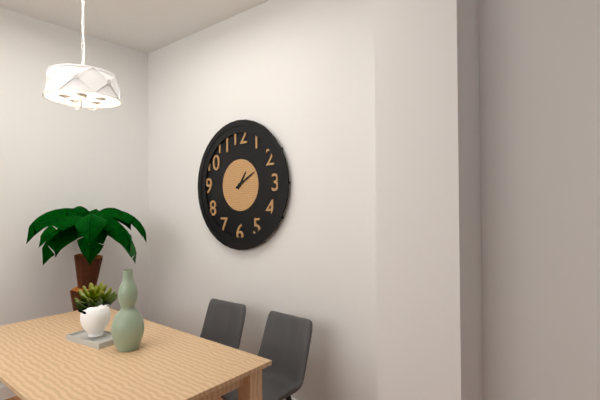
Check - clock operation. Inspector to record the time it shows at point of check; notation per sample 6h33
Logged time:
1h10
